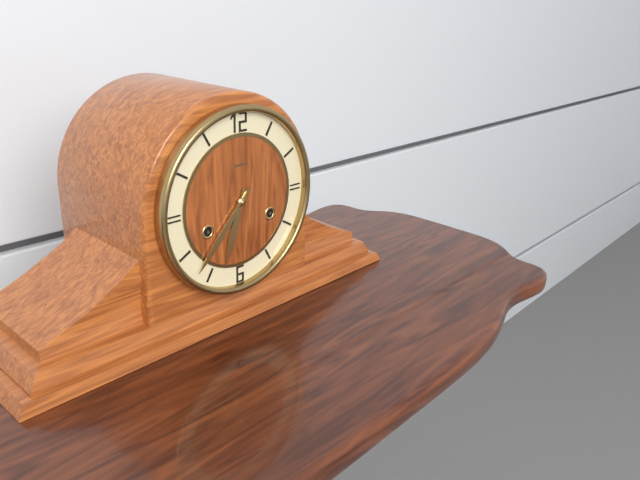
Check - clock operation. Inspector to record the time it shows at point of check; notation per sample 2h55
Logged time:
6h37
